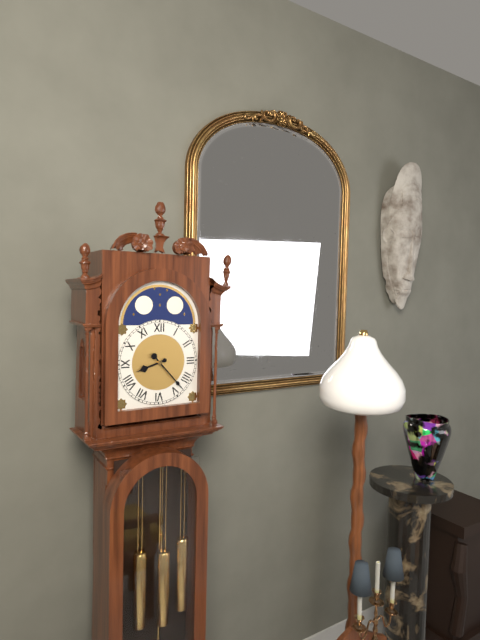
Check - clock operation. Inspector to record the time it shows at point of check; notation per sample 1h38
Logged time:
8h23
